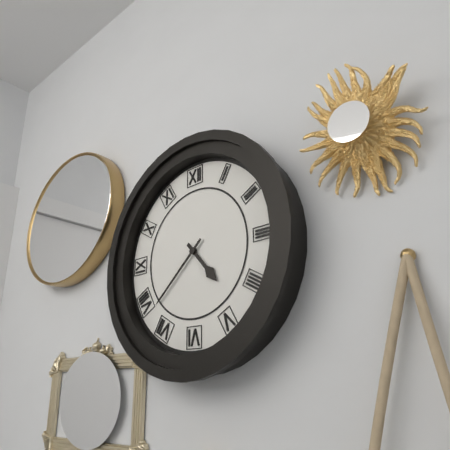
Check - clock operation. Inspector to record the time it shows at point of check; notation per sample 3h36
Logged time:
4h38
